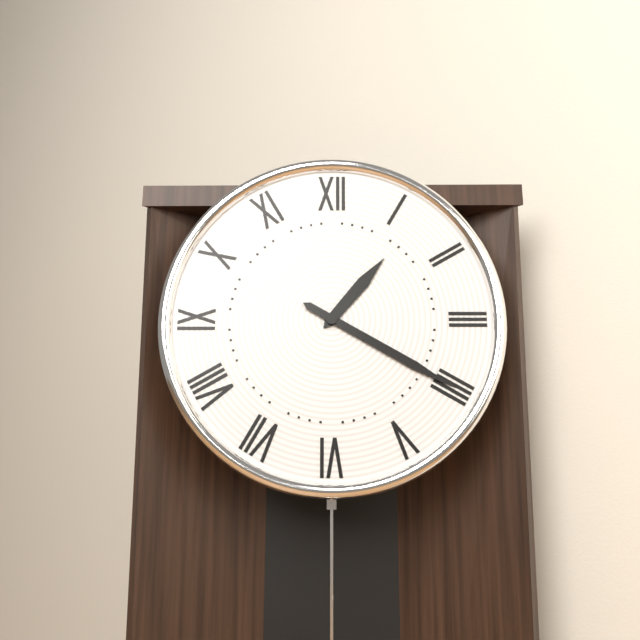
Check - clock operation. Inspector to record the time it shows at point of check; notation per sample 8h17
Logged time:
1h20
